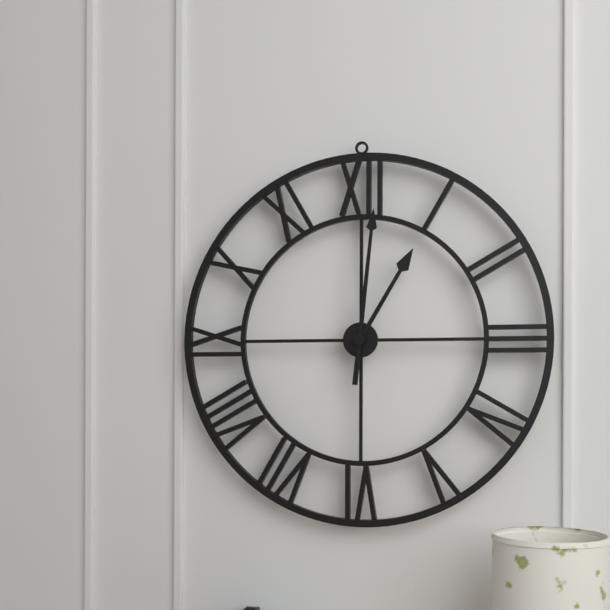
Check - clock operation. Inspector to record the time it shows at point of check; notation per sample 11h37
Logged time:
1h01
